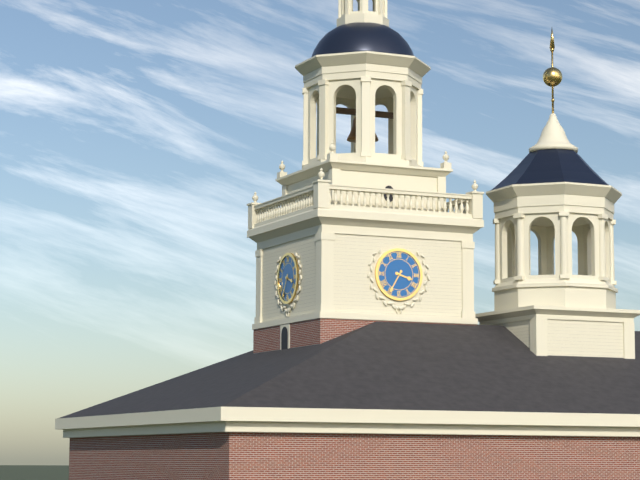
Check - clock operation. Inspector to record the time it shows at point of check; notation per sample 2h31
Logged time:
3h35
